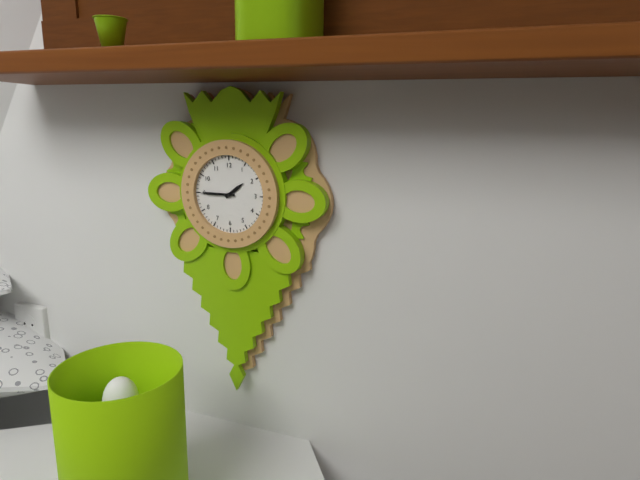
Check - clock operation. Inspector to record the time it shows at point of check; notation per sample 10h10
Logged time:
1h45
